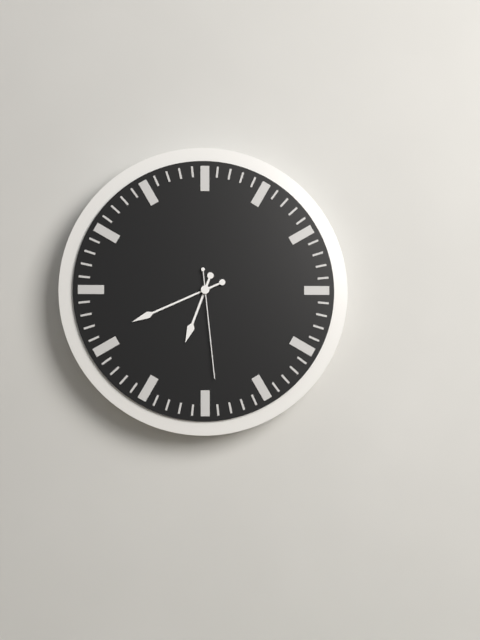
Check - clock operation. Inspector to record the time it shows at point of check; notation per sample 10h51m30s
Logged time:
6h41m29s
